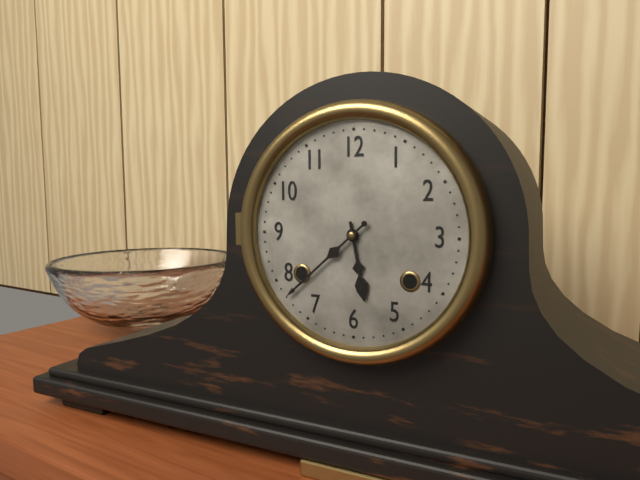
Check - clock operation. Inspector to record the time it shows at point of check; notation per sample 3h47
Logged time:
5h38
